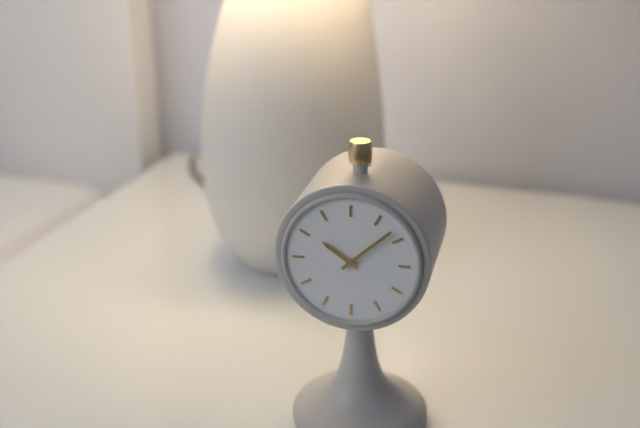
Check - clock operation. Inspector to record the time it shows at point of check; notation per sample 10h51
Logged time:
10h08
